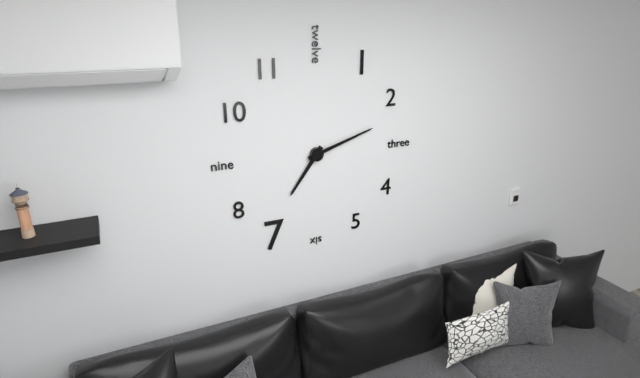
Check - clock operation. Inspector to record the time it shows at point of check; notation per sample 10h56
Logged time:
7h12
